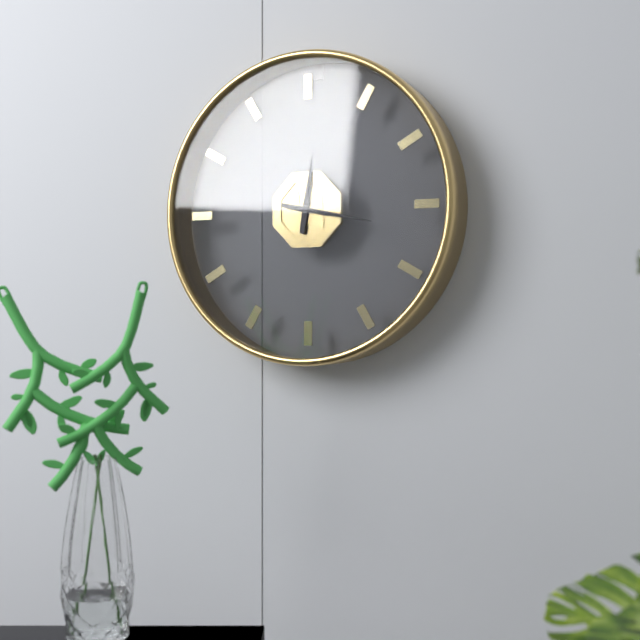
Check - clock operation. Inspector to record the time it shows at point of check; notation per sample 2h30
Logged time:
12h17
